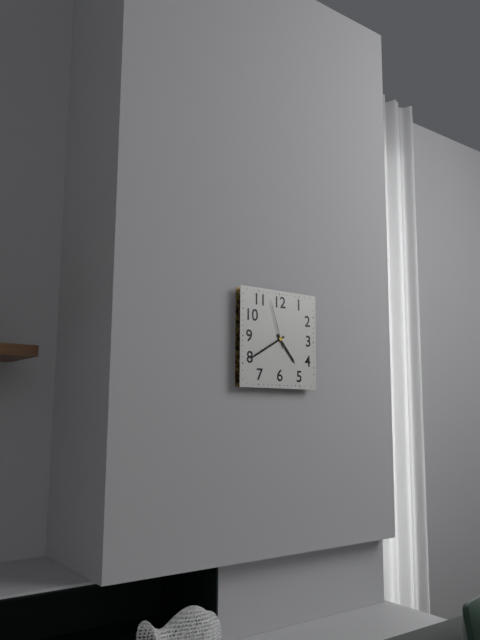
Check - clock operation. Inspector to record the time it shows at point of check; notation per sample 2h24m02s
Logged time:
4h40m57s
